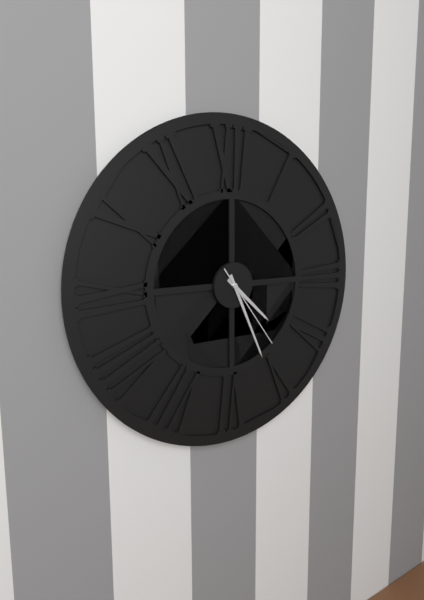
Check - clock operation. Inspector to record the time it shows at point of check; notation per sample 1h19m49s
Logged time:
4h26m24s
